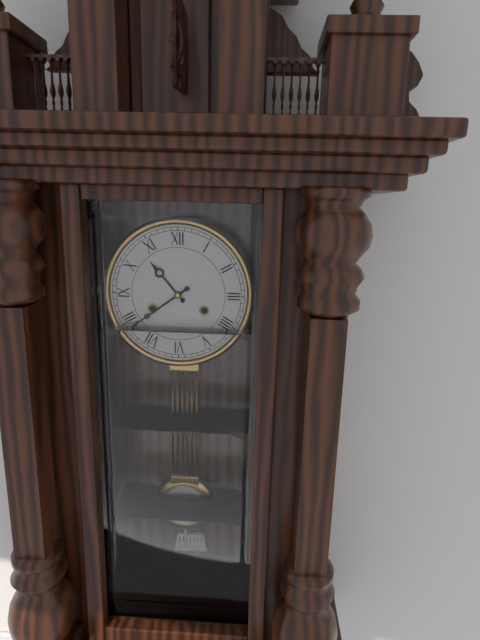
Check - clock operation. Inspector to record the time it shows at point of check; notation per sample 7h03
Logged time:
10h39
